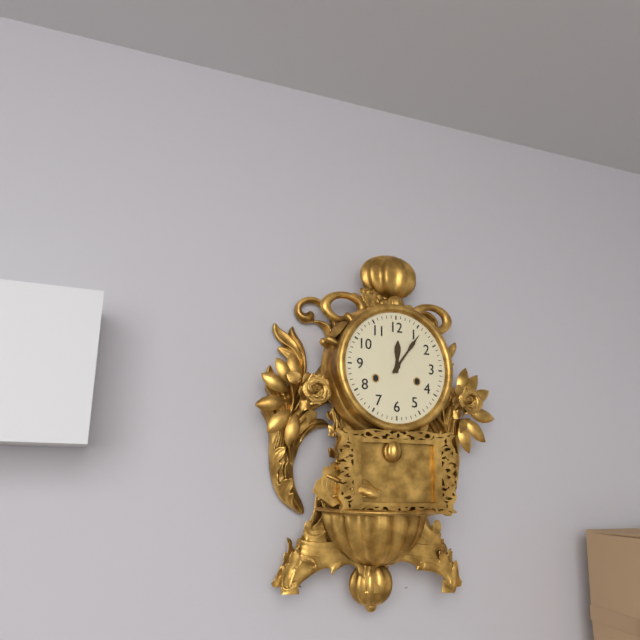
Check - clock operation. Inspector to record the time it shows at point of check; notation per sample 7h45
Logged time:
12h06
